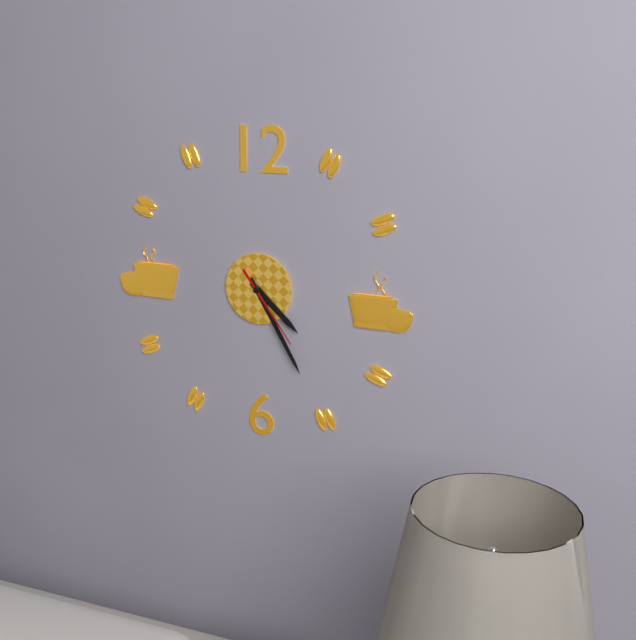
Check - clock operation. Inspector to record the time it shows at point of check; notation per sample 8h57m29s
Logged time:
4h25m24s
